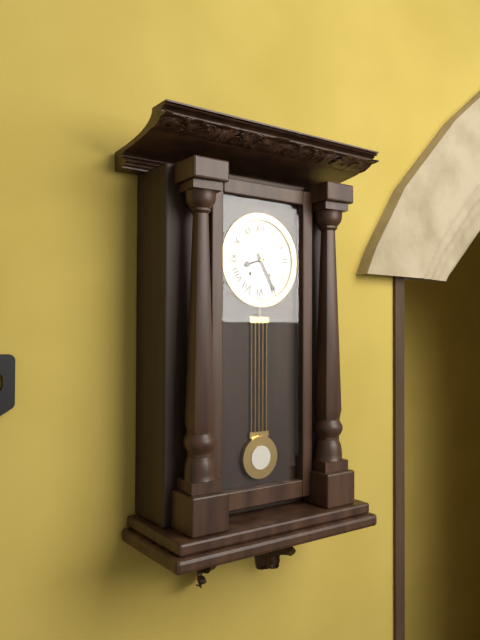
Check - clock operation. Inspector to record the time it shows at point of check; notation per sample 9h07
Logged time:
8h25
